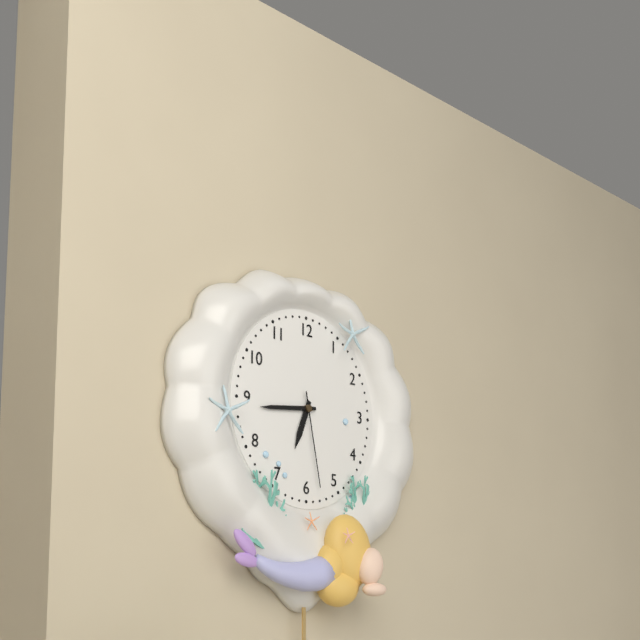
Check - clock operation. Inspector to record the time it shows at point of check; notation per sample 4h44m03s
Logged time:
6h44m28s
